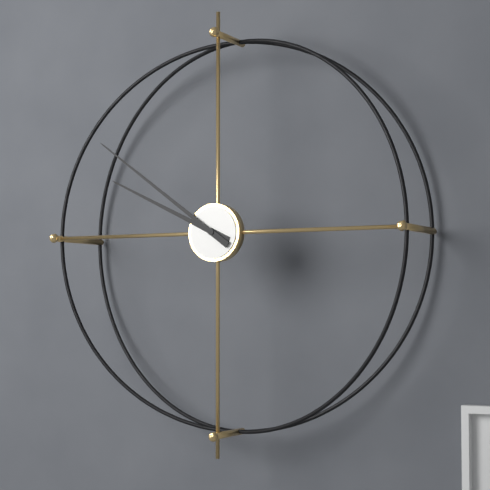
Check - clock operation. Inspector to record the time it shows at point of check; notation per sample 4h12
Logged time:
9h51
